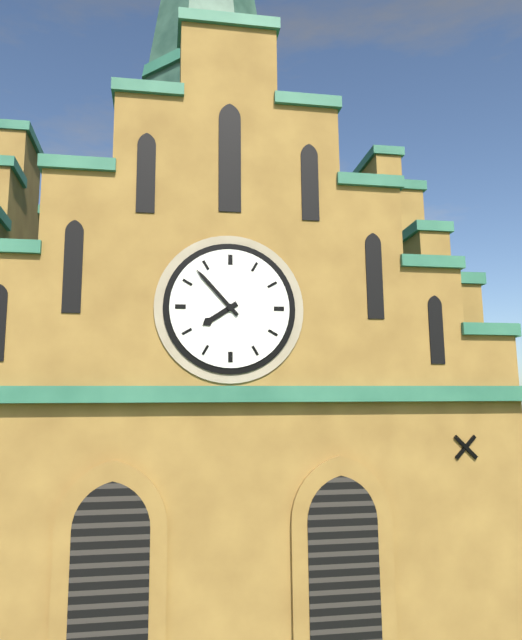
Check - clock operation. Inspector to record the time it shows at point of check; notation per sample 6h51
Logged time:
7h53
